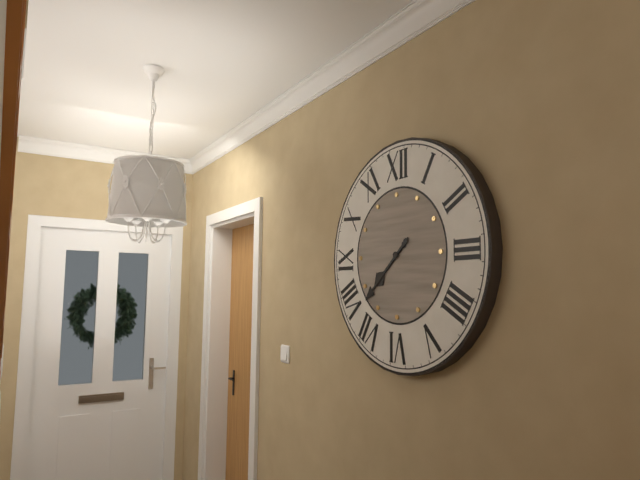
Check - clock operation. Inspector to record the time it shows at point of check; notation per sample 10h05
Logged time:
7h38
